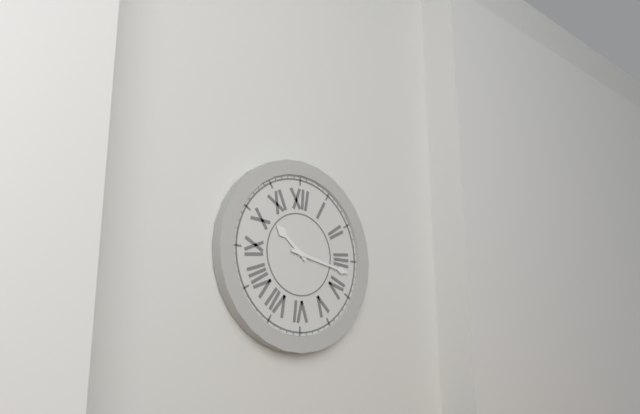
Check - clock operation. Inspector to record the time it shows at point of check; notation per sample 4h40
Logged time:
10h17
